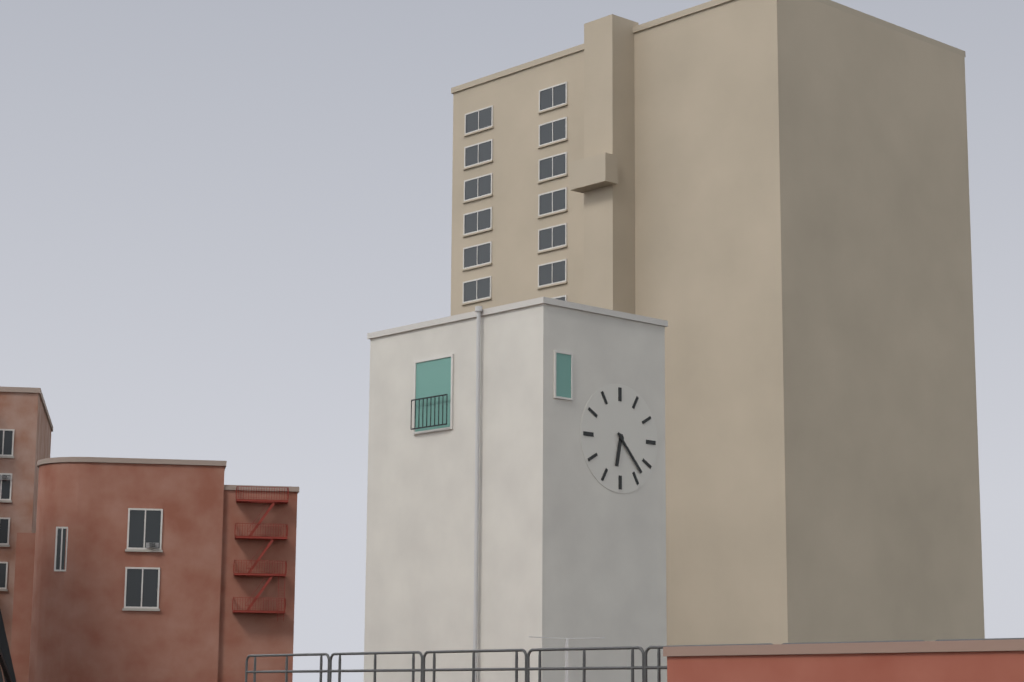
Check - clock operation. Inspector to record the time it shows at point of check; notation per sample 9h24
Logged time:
6h23
